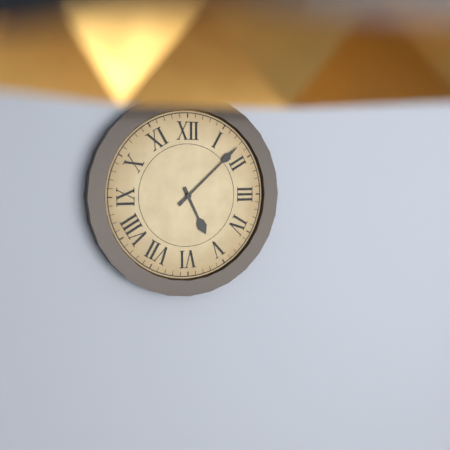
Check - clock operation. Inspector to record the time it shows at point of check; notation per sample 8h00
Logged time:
5h08
